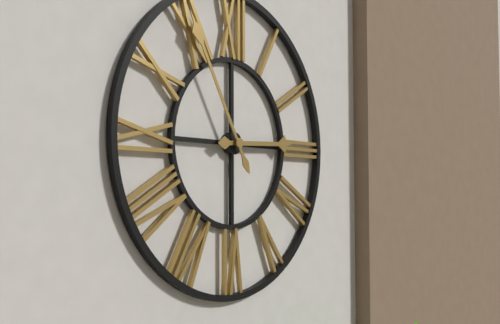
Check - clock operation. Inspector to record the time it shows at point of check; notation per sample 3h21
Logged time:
2h55
